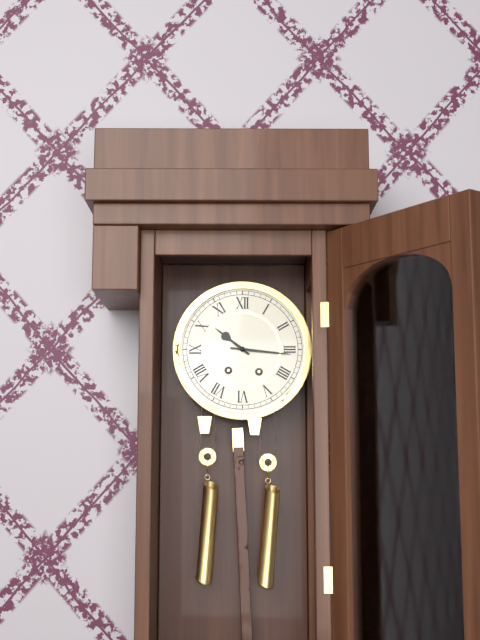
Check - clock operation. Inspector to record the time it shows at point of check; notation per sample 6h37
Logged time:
10h16
